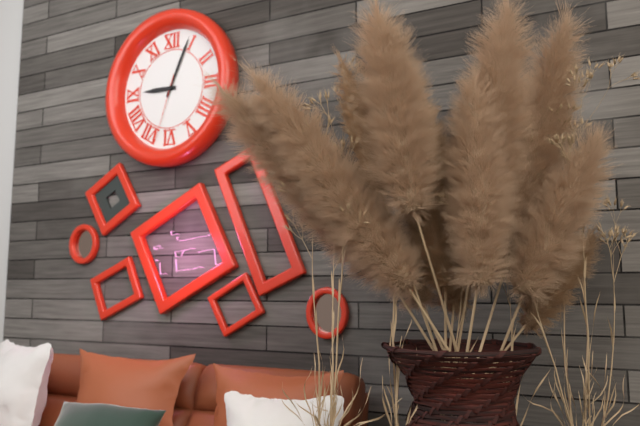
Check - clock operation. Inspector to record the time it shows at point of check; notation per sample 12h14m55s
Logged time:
9h04m33s
